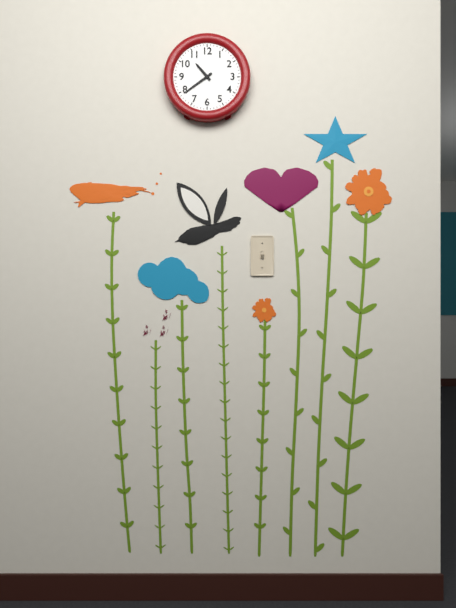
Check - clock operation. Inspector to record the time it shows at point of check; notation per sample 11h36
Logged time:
10h39
